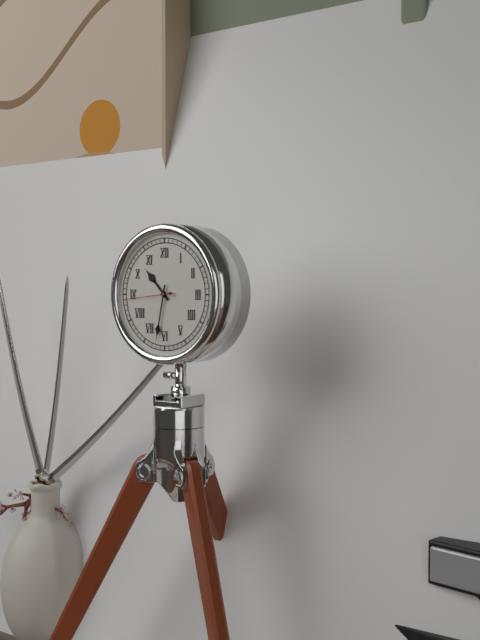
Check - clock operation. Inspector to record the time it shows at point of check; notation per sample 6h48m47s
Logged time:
10h32m44s
